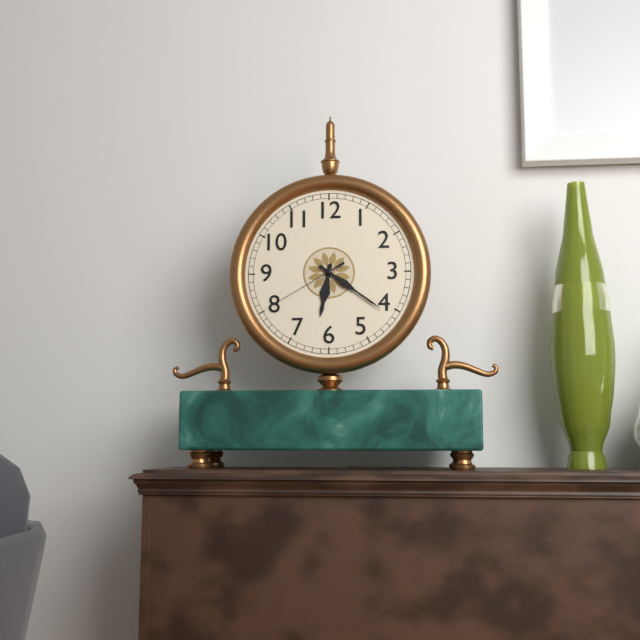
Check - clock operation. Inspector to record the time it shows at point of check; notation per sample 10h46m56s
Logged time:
6h21m40s
